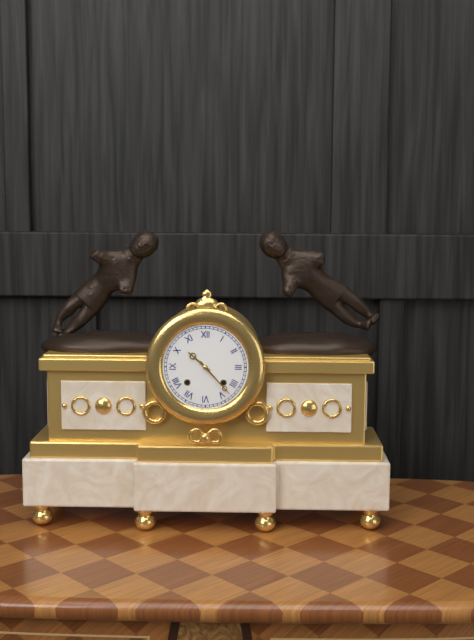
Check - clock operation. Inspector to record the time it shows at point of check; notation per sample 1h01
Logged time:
10h23
